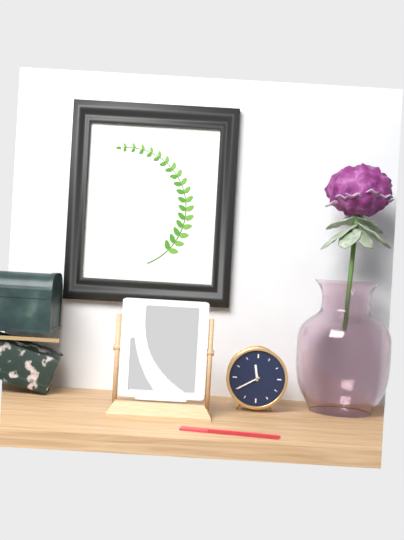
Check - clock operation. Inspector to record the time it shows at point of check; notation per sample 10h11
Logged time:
11h40
